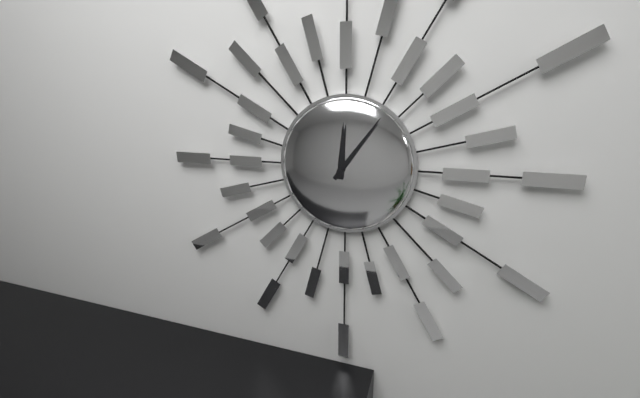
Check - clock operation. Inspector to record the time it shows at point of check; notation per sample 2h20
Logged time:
12h06
